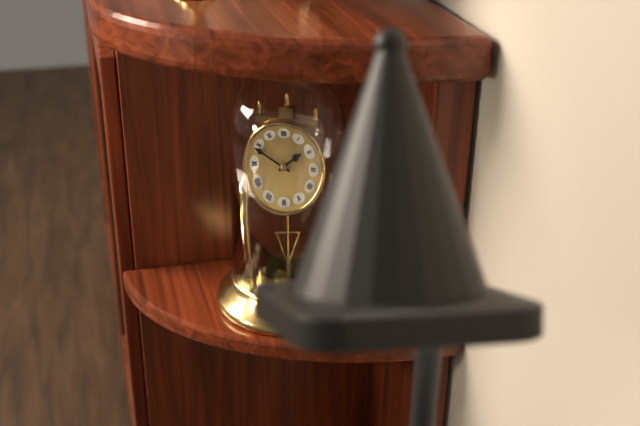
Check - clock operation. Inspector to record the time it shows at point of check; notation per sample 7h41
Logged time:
1h49
